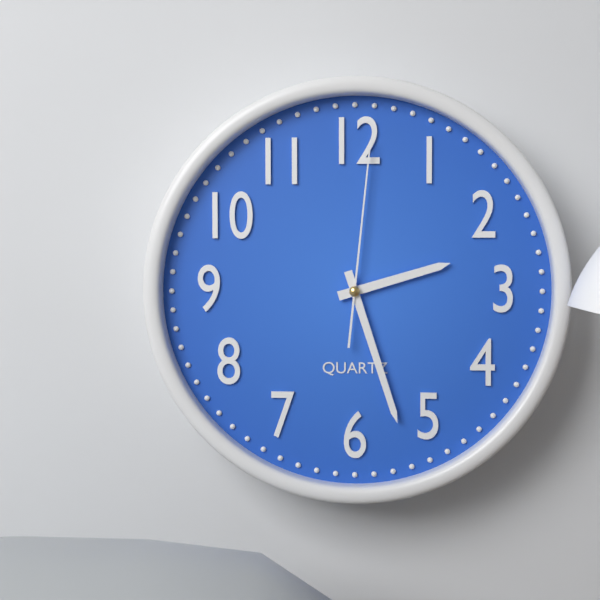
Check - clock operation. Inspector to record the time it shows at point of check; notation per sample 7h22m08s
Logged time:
2h27m01s
